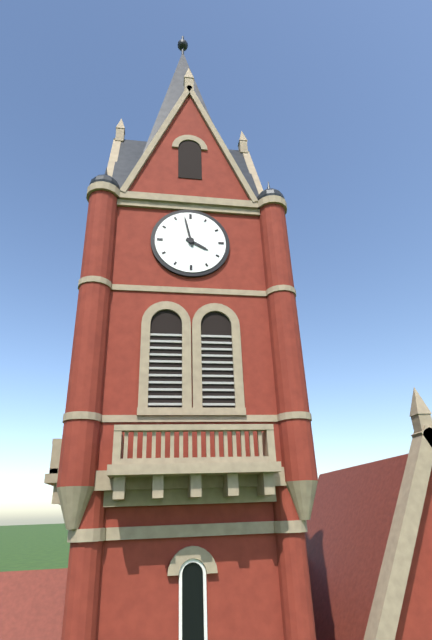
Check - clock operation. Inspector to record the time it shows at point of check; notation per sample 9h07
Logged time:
3h58
